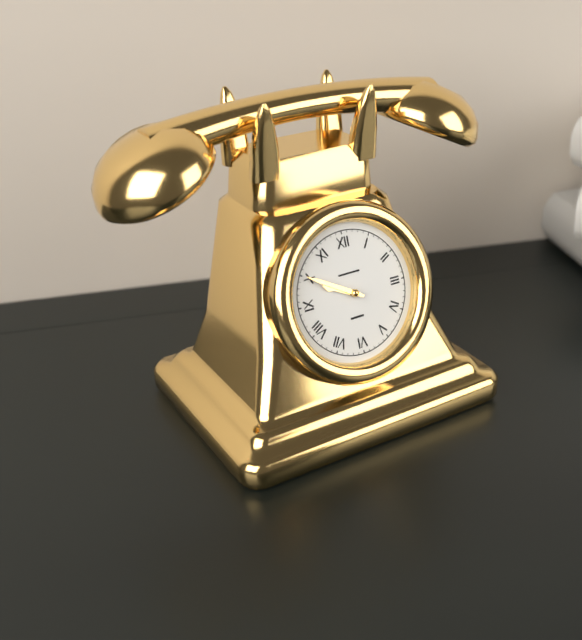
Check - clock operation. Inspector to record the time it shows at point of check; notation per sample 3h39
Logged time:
9h50
